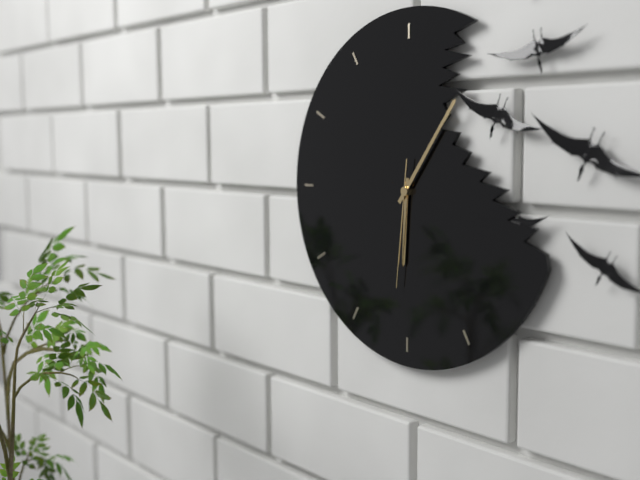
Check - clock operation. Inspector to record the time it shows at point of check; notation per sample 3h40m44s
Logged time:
6h06m31s
